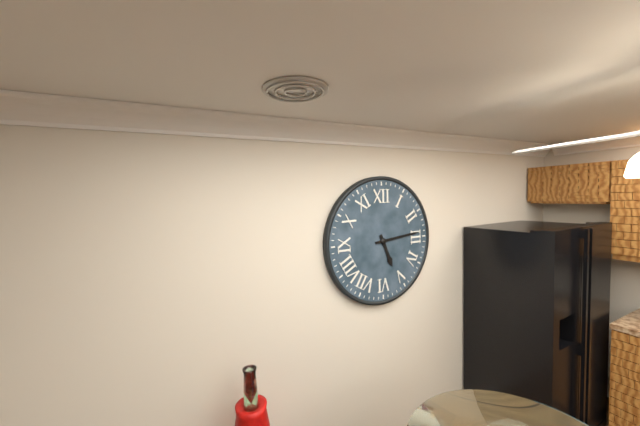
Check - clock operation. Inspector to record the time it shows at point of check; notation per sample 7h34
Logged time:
5h14
